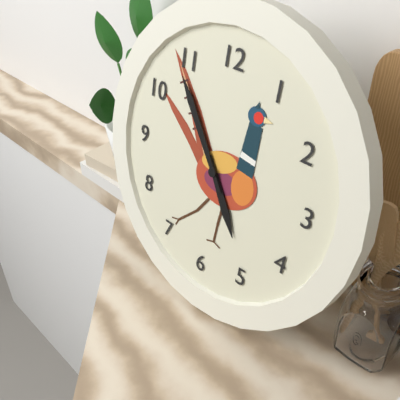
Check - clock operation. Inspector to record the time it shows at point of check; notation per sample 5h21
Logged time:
4h54
